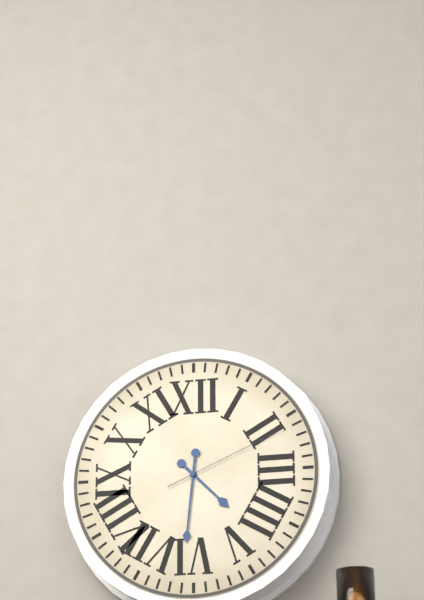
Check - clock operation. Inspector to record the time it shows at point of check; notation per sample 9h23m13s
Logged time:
4h31m11s
